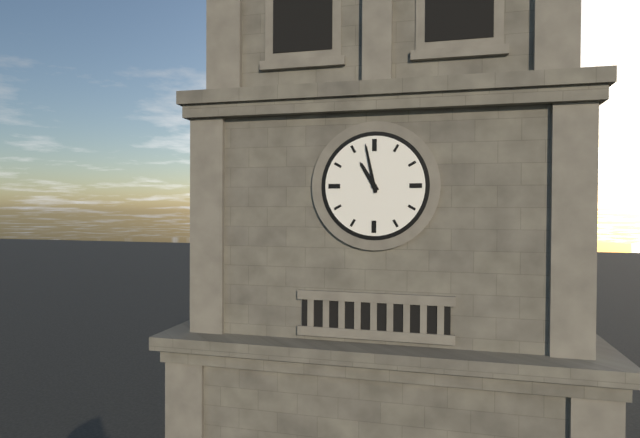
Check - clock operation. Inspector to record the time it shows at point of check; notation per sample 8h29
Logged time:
10h58
